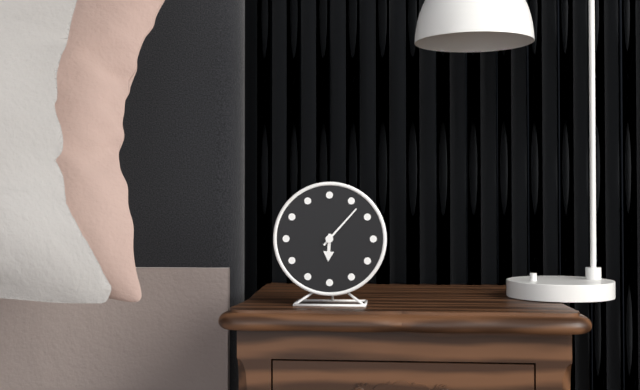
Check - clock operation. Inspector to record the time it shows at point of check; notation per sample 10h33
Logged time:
6h07
